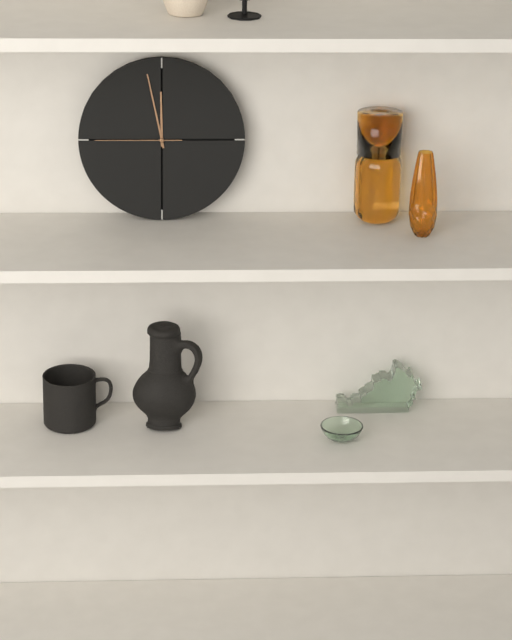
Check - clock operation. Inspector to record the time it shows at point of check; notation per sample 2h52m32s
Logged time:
11h58m45s
